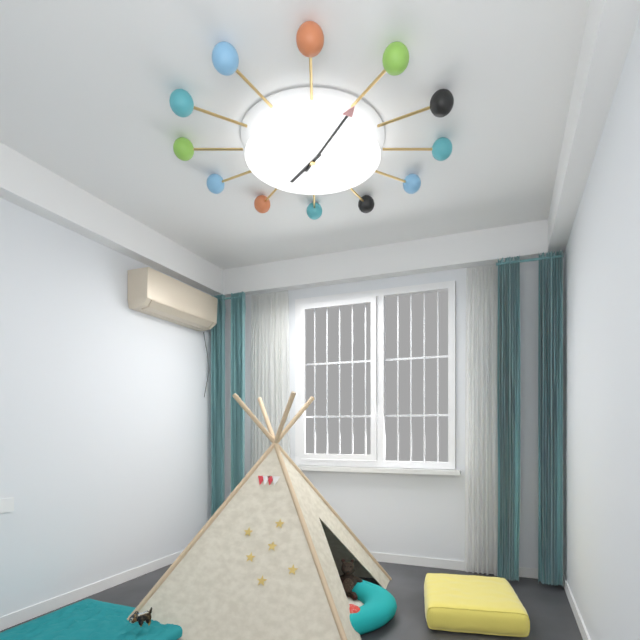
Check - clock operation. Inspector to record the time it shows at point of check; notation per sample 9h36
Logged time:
7h04
